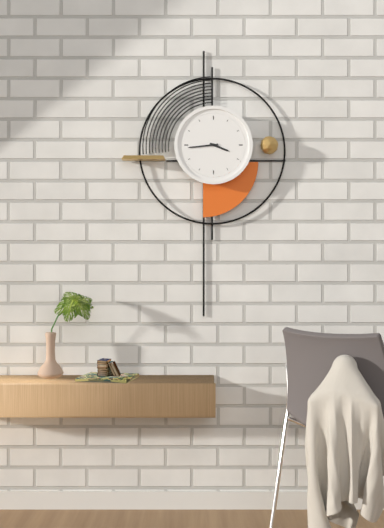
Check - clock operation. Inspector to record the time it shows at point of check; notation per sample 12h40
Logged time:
3h44
